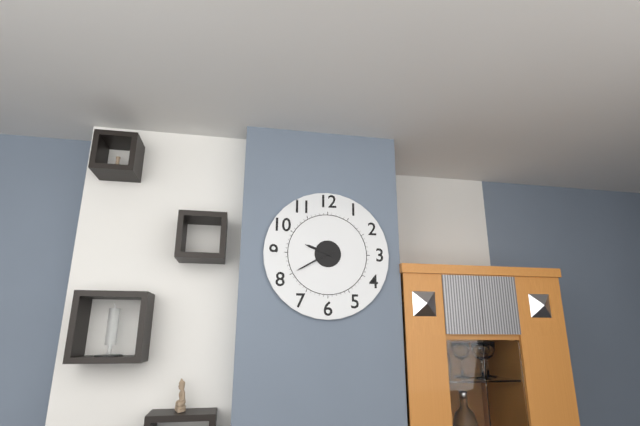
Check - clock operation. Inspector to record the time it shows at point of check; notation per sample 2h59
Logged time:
9h40
